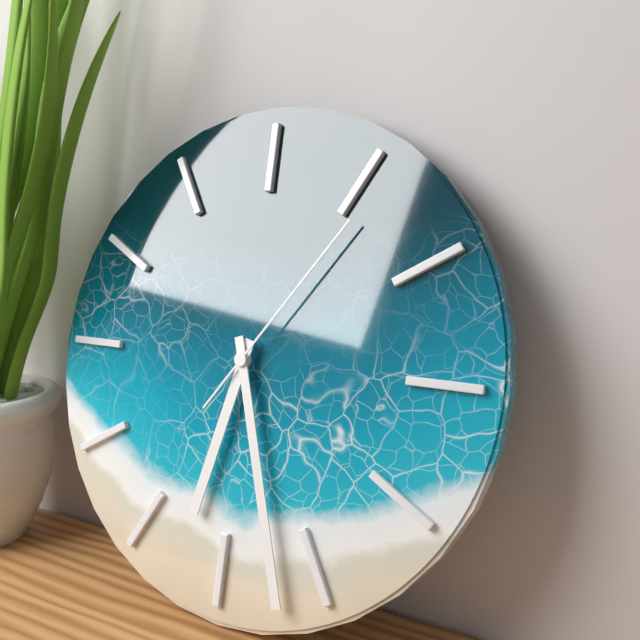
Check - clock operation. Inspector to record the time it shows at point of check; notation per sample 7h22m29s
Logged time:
6h27m06s
